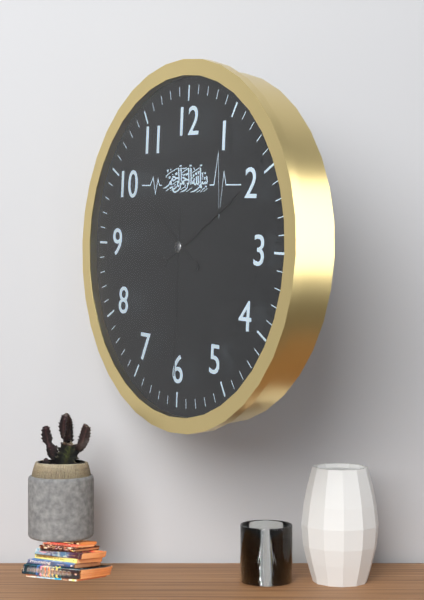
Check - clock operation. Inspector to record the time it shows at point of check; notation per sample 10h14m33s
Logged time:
10h10m30s
